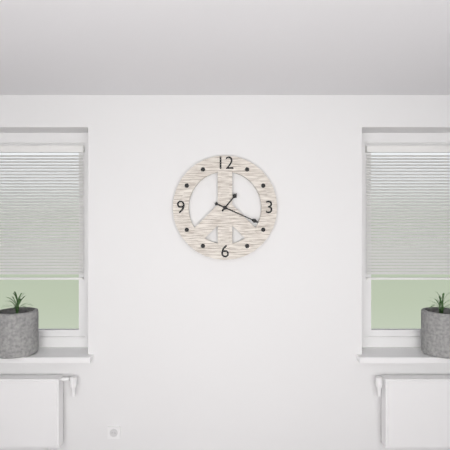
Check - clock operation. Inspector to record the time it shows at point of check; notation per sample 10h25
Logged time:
1h19
